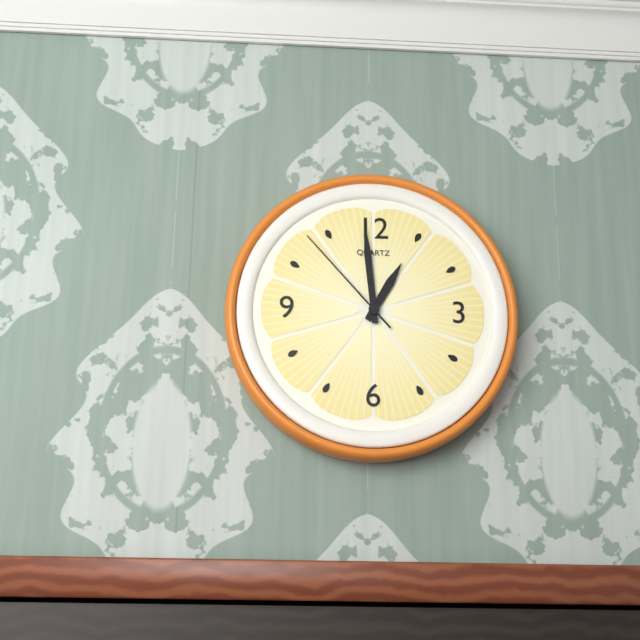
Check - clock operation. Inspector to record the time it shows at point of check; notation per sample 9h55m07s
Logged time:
12h59m53s
